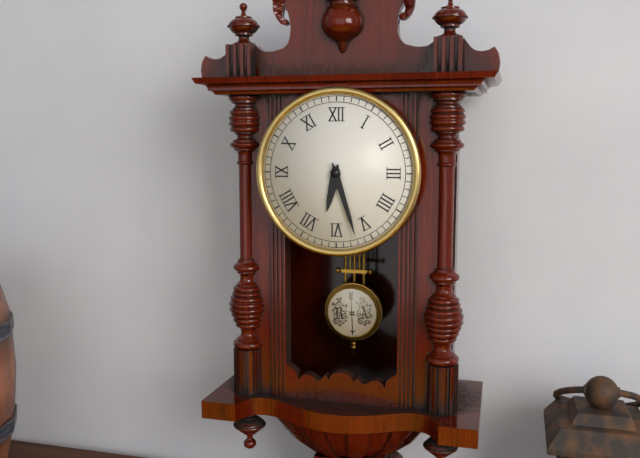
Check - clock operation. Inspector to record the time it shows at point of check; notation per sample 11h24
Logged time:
6h27
